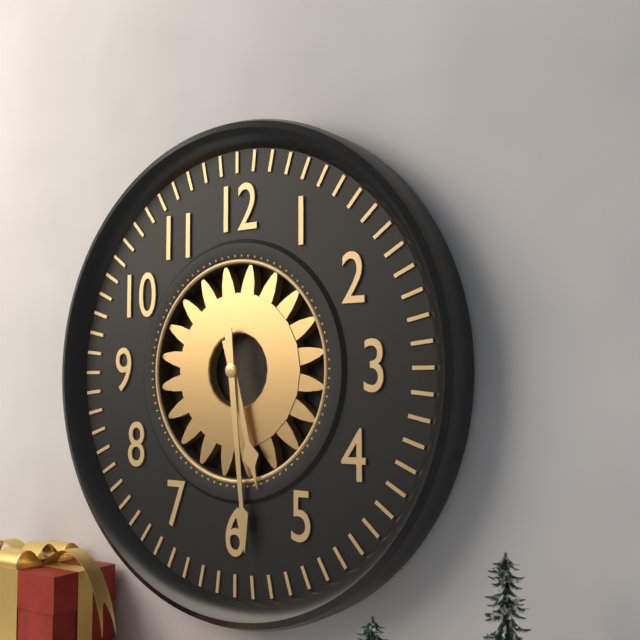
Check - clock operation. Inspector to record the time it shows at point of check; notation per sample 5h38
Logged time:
5h29
